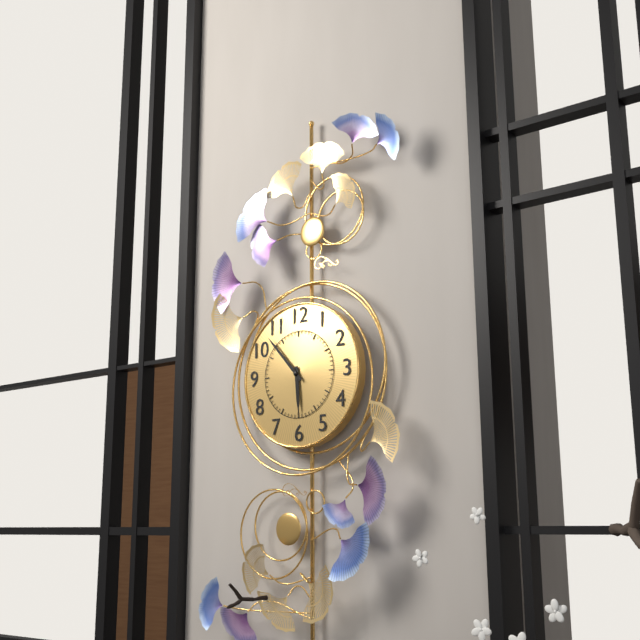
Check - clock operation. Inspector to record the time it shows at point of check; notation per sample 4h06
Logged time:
5h53
